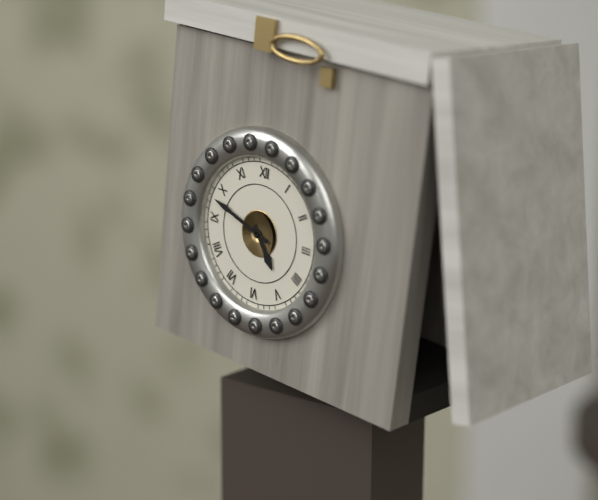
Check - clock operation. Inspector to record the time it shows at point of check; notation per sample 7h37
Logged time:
4h48
